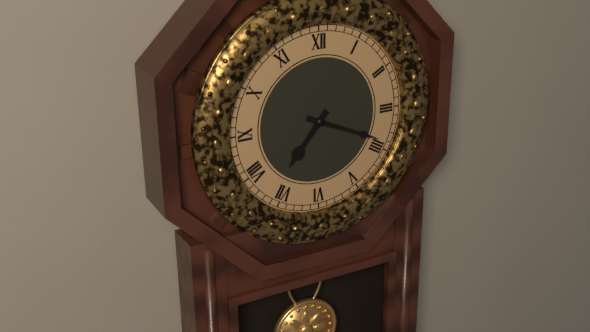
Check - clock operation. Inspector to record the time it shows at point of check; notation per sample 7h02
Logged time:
7h19
